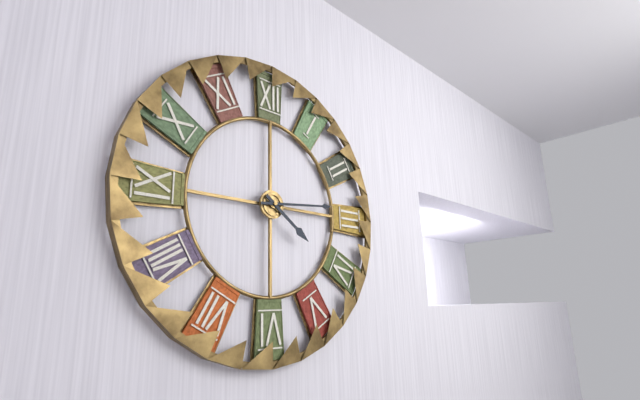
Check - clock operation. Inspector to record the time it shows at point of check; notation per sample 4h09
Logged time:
4h14
